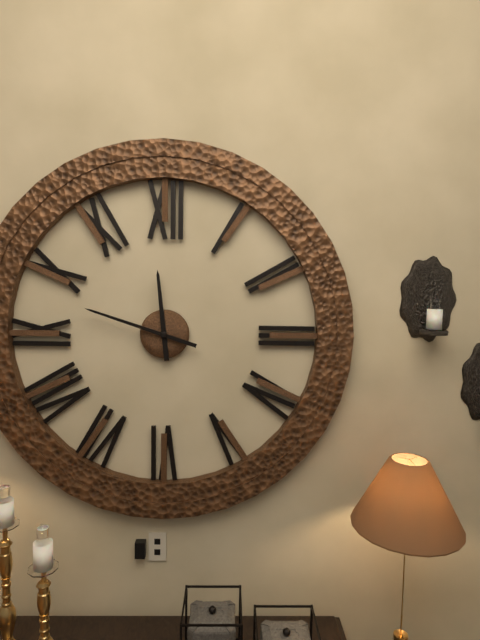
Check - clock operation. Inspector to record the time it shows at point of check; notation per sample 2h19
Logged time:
11h48
